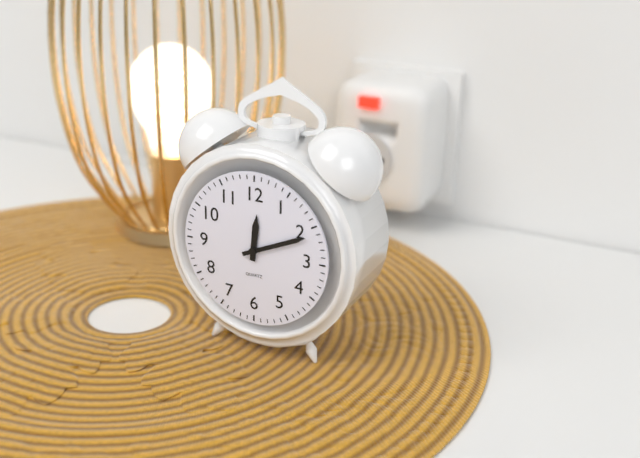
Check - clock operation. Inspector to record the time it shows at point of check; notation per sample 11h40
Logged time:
12h11
